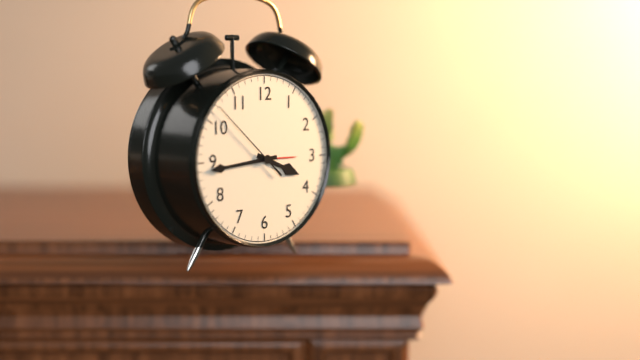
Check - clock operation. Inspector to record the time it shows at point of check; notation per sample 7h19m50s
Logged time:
3h44m52s
